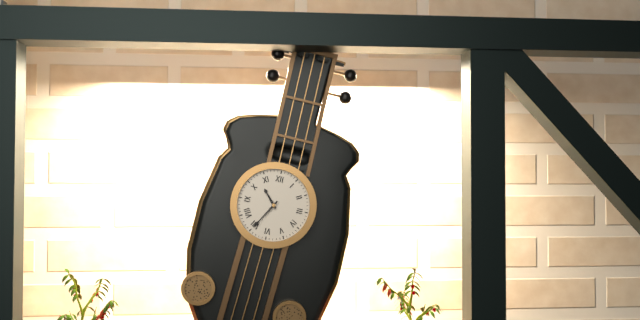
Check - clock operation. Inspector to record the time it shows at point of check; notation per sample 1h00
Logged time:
10h35
